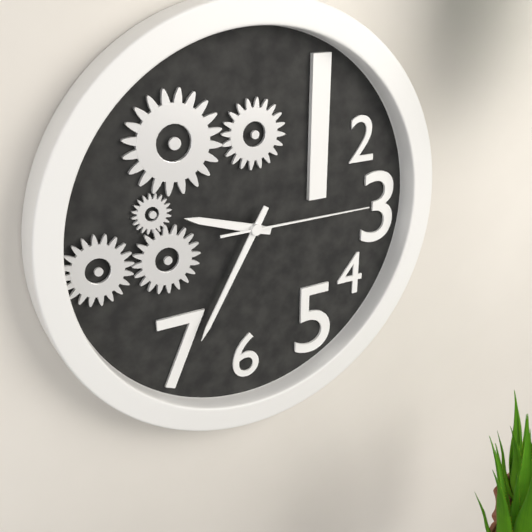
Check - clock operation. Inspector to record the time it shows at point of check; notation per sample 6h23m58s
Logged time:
9h35m15s
